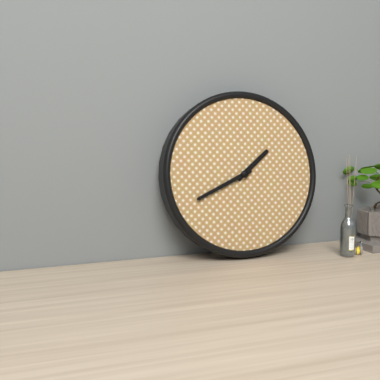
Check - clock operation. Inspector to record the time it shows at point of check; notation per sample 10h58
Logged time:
1h41
